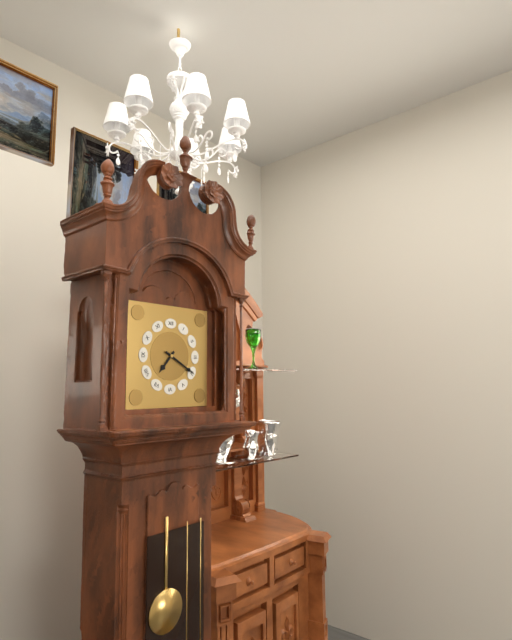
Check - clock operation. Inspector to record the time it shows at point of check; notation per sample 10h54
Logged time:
7h20
